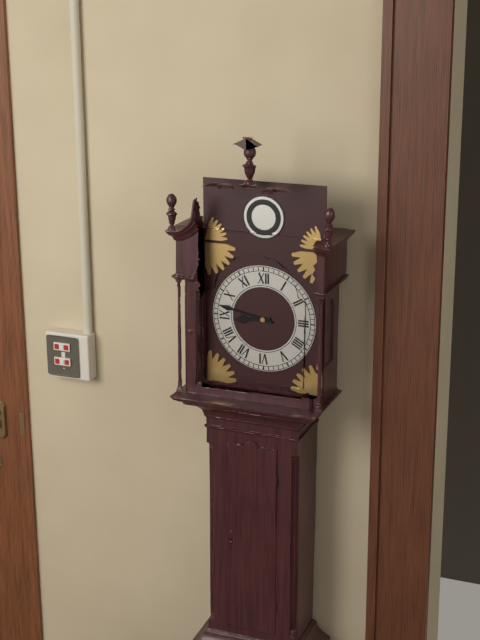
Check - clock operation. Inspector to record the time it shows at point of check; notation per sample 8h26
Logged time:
8h47
